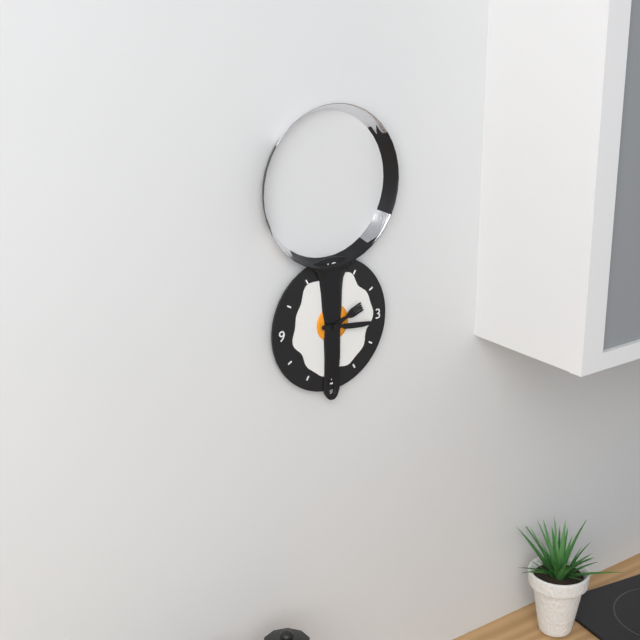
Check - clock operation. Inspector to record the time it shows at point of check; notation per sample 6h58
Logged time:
2h16
